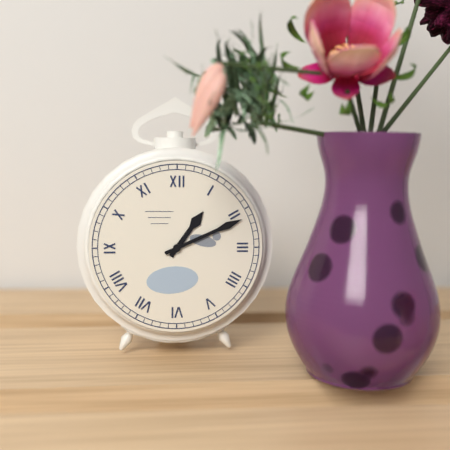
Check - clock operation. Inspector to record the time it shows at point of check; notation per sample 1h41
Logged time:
1h11
